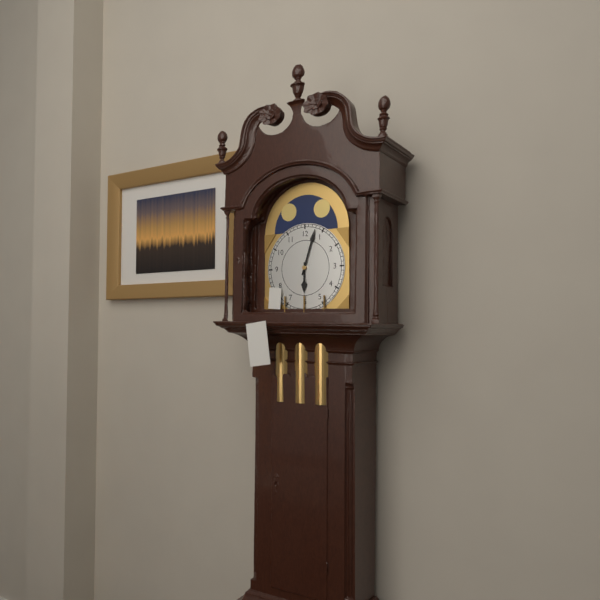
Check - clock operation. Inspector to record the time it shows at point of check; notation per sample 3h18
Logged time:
6h03
